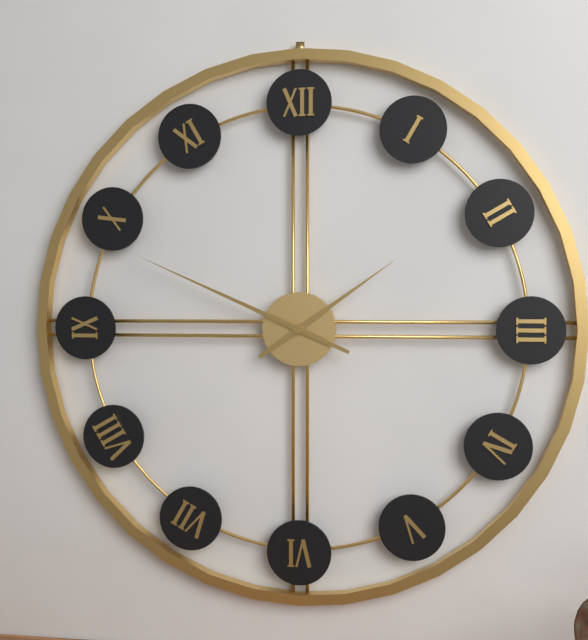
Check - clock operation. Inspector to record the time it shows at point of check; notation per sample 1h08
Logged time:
1h49
